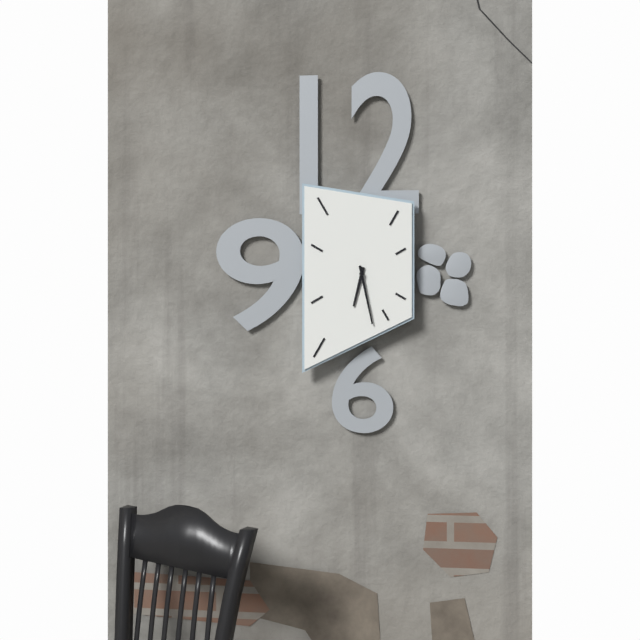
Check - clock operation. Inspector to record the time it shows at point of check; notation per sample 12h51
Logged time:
6h28
